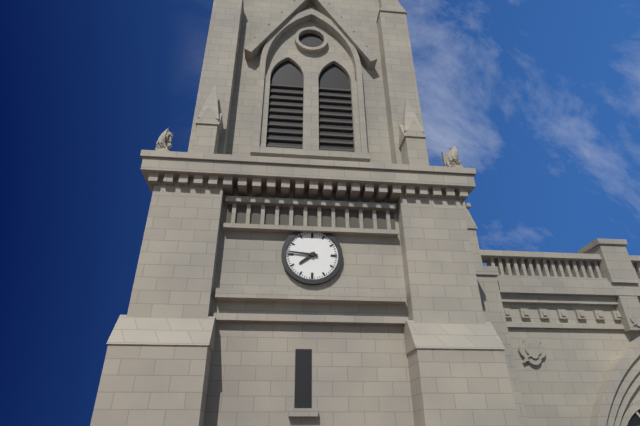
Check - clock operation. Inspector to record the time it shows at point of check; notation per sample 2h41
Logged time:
7h46
